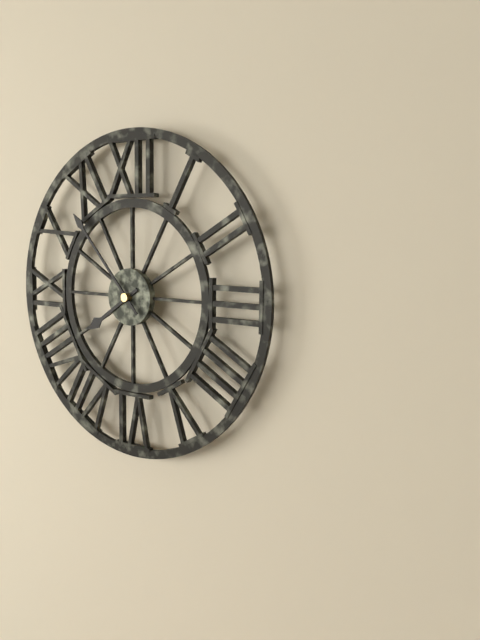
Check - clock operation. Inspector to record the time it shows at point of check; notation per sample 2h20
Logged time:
7h53
